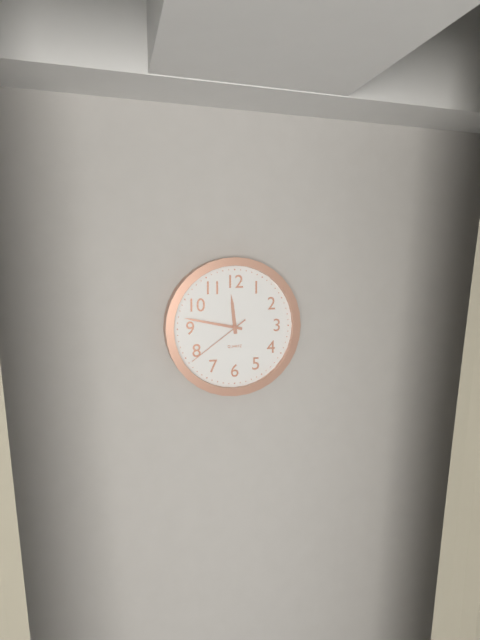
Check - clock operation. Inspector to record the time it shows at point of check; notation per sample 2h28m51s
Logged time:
11h47m39s
